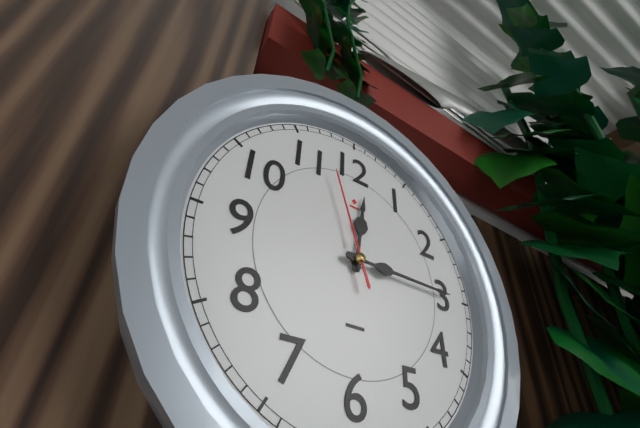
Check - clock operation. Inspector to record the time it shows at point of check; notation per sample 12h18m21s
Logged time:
12h15m57s
